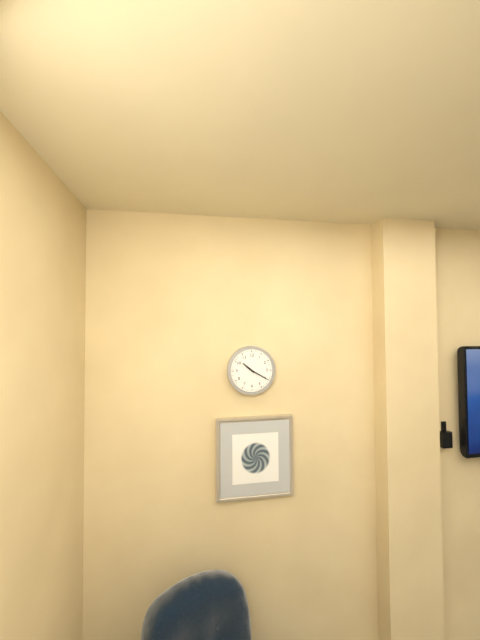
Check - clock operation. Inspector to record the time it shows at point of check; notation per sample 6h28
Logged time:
10h20
